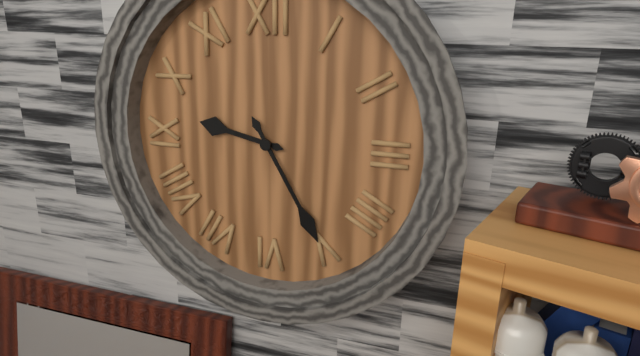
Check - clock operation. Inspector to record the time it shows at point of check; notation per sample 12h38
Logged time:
9h25
